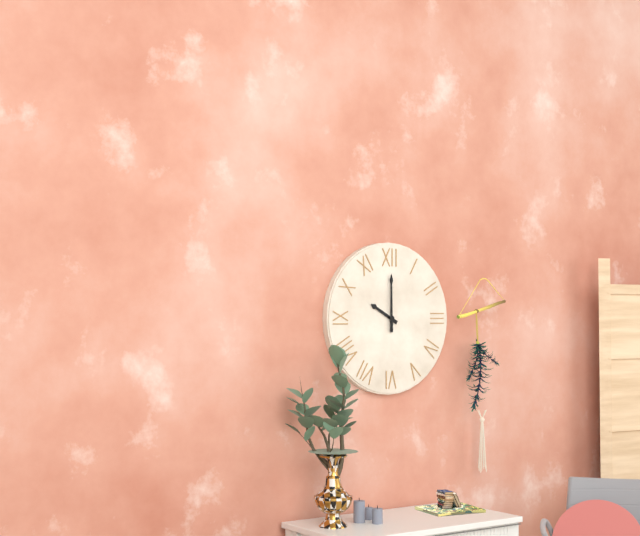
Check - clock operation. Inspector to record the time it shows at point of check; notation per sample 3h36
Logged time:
10h00
